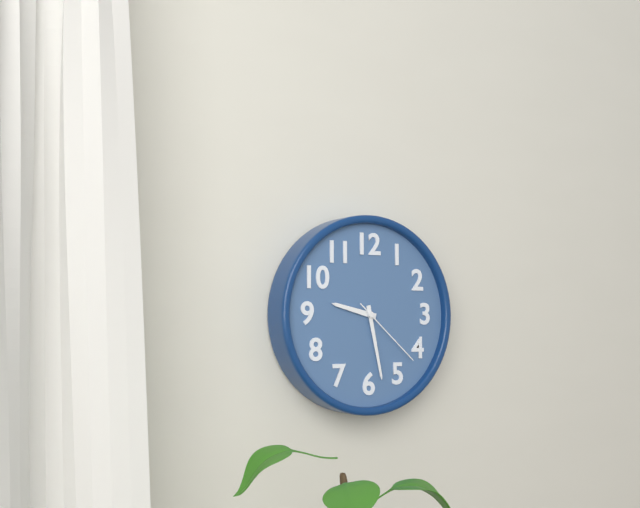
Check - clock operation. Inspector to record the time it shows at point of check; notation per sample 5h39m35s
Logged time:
9h28m22s
